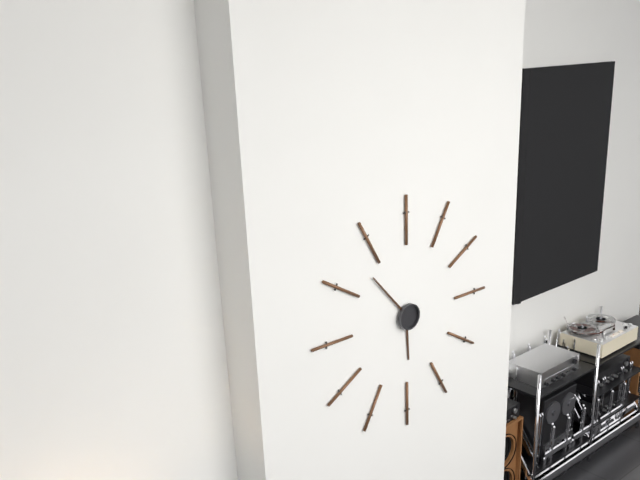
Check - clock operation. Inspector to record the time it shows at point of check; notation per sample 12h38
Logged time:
5h53
